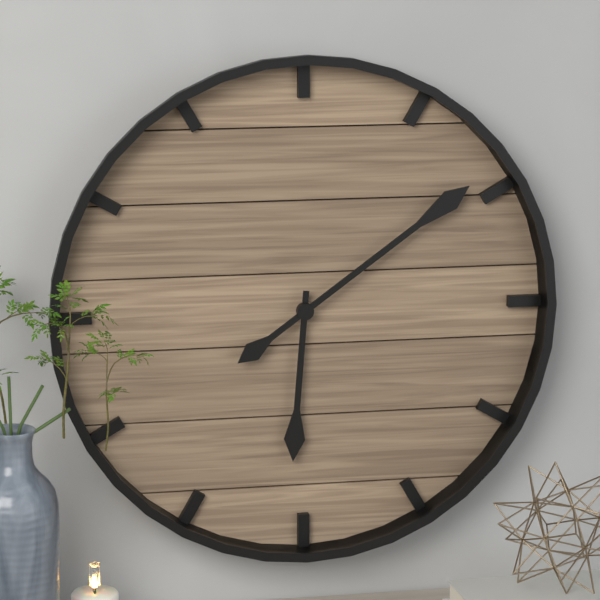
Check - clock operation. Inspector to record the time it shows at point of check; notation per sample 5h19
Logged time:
6h09
